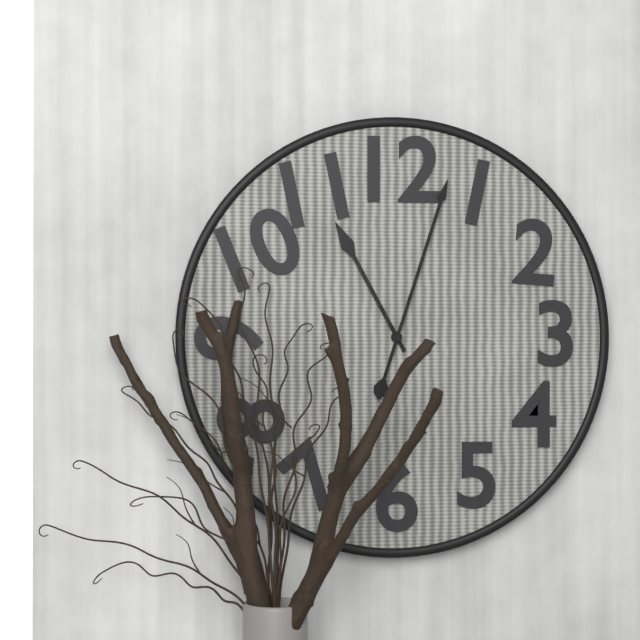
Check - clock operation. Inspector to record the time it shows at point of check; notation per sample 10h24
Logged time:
11h03
